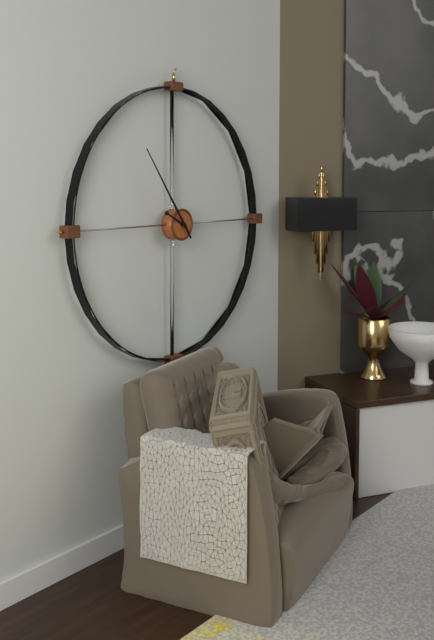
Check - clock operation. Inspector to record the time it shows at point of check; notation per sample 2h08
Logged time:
9h54
